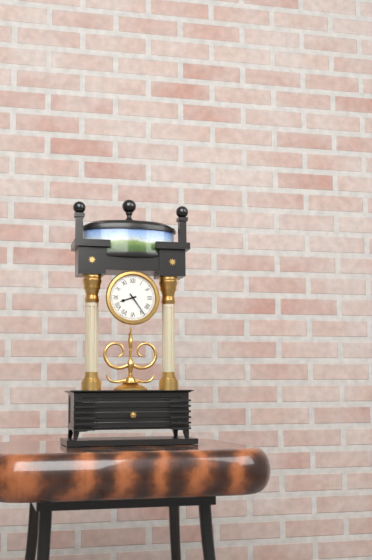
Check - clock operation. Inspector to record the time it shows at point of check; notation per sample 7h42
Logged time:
8h24
